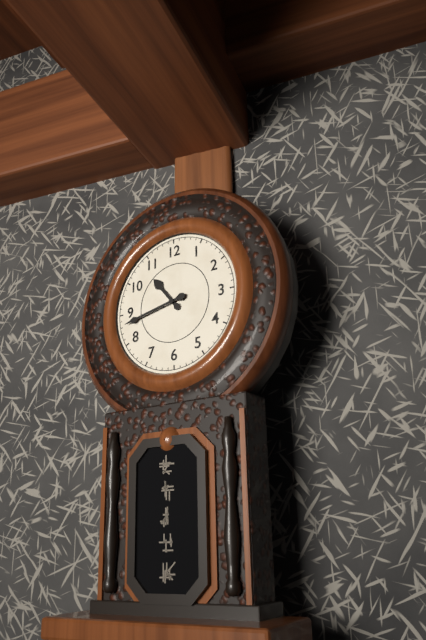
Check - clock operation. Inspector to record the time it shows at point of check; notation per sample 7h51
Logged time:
10h43
